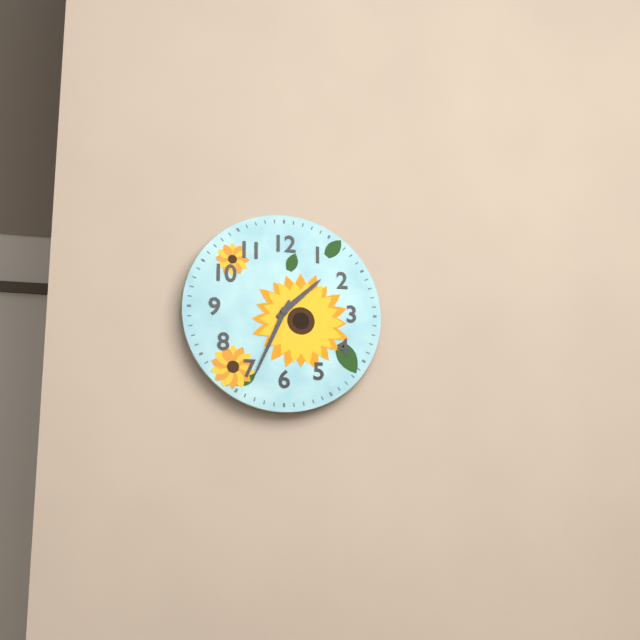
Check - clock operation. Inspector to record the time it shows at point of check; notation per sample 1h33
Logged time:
1h34
